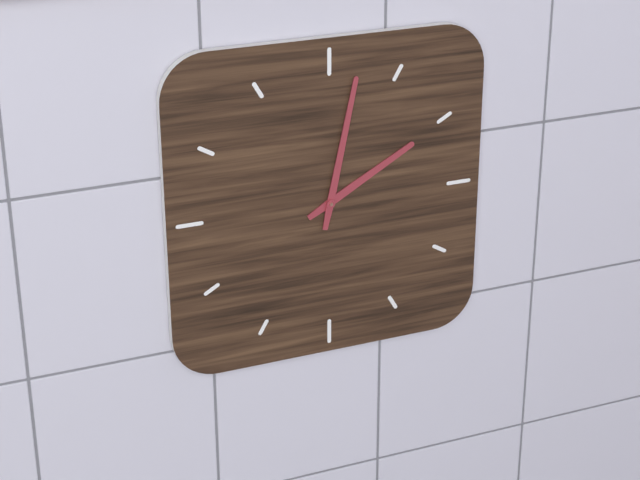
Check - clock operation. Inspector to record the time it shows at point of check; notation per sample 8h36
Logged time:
2h02
